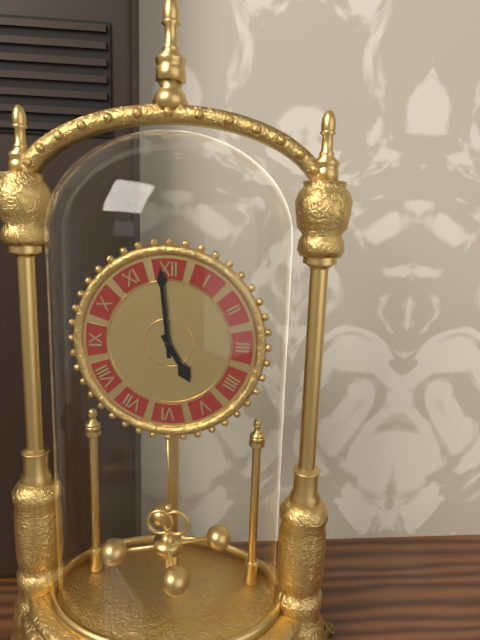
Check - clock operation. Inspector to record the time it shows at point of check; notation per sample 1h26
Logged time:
4h59
